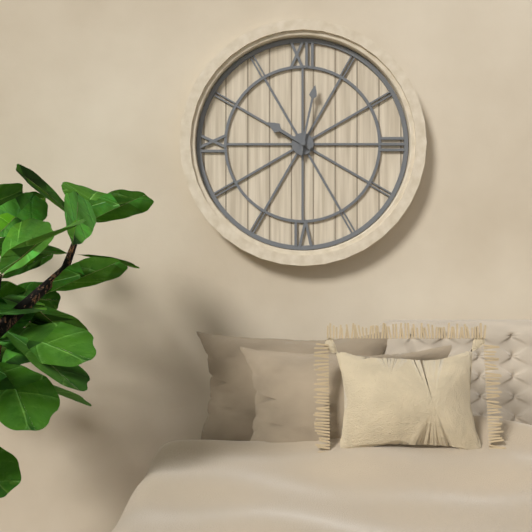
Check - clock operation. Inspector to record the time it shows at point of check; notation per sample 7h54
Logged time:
10h02
